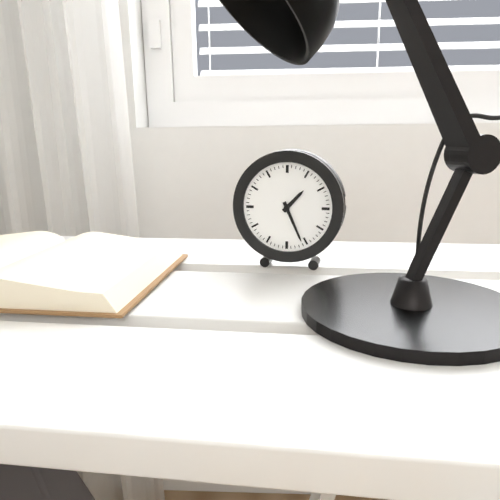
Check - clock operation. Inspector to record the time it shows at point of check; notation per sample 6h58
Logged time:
1h26
